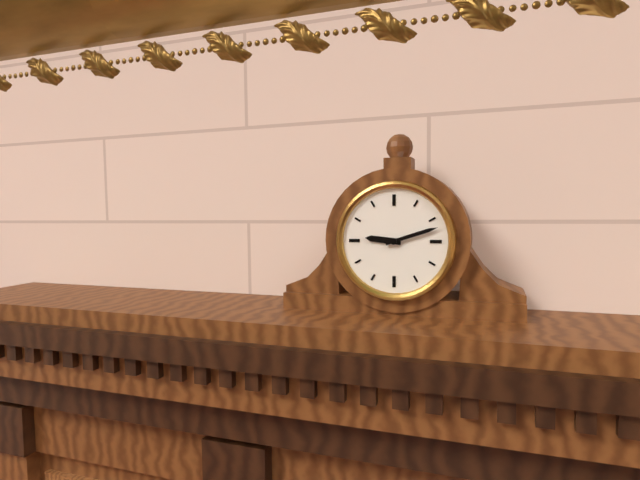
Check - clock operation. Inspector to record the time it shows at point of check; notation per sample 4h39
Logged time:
9h12
